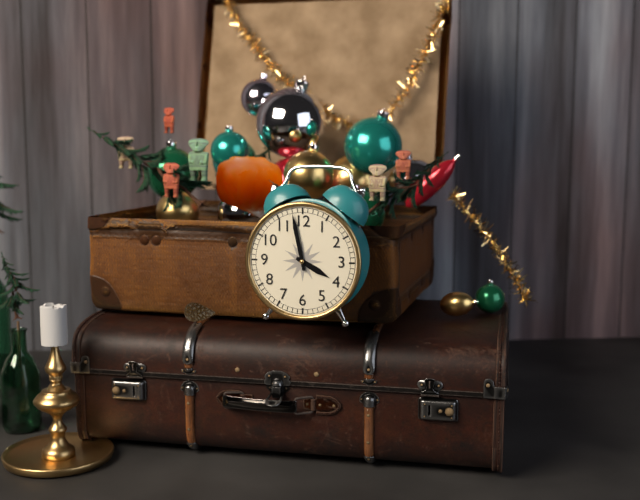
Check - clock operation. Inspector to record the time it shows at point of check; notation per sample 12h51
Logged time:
3h58
